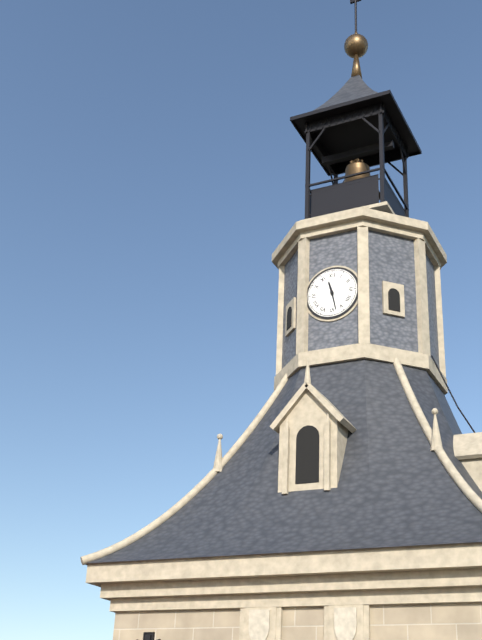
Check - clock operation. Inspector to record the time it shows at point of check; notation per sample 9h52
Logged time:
11h28
